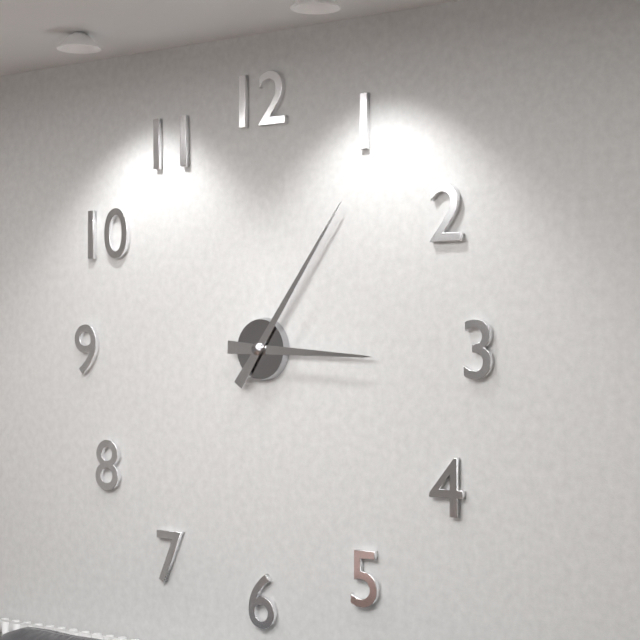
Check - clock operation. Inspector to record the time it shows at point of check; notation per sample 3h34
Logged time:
3h06
